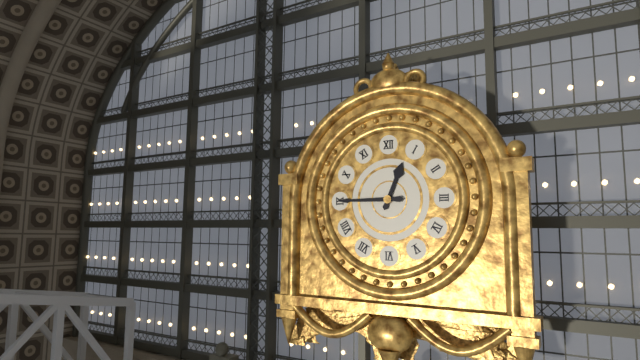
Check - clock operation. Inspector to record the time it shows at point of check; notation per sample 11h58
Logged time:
12h45
